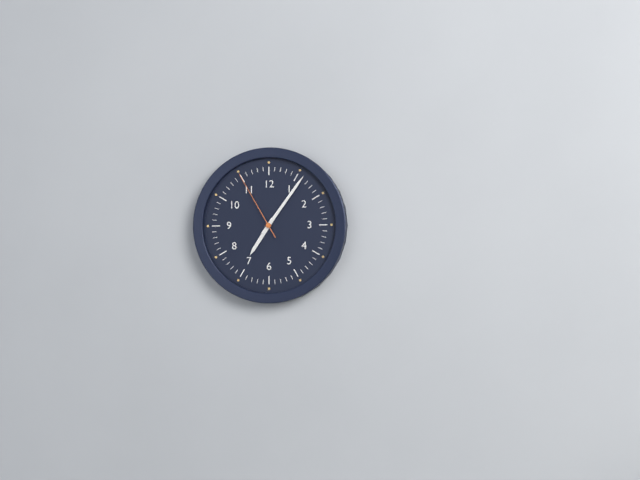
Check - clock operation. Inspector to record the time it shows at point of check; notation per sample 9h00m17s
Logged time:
7h06m55s
